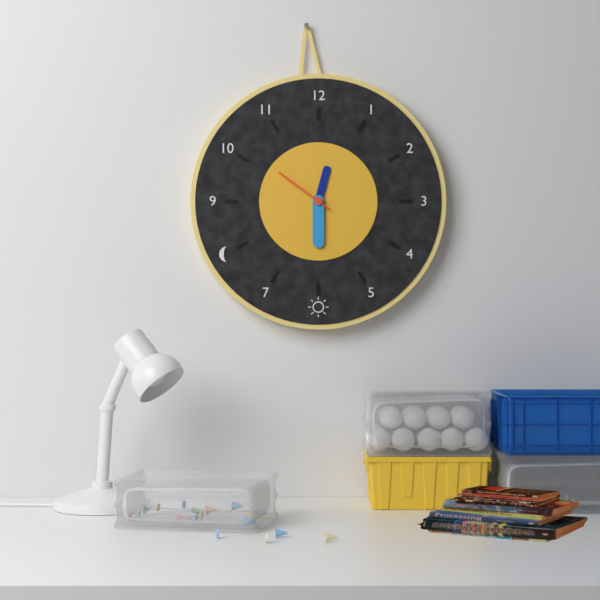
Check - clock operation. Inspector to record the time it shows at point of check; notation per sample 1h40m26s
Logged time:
12h30m51s
